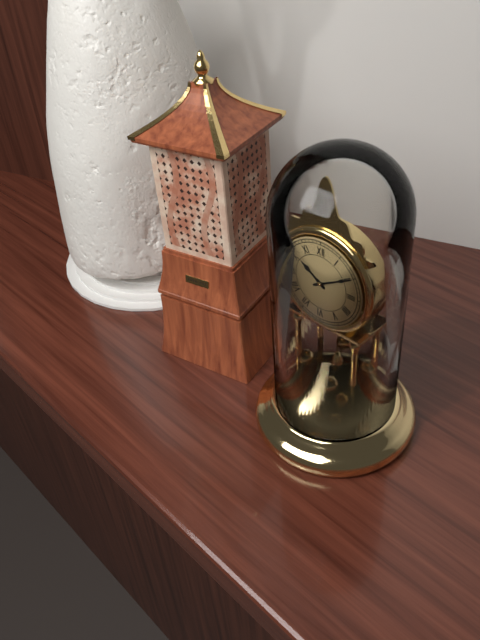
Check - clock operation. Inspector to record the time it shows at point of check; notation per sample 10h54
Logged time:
10h10
